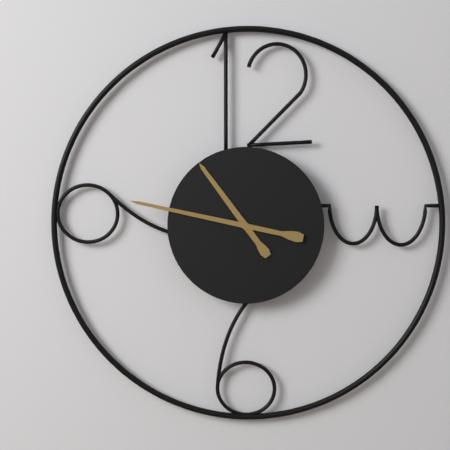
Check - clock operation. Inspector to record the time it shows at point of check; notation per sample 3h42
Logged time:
10h47
